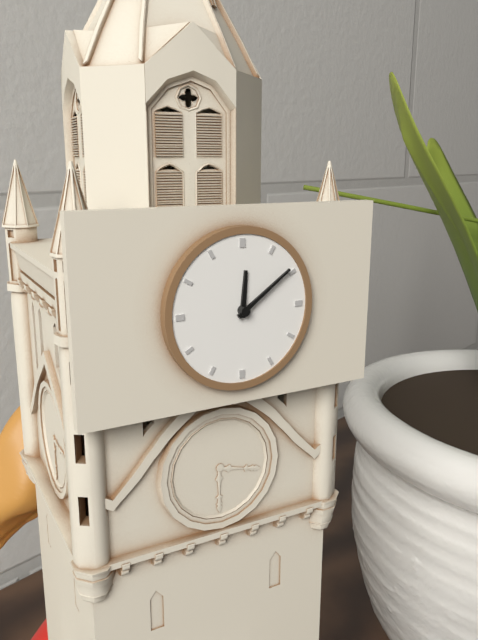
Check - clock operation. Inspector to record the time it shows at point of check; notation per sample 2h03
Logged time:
12h09
